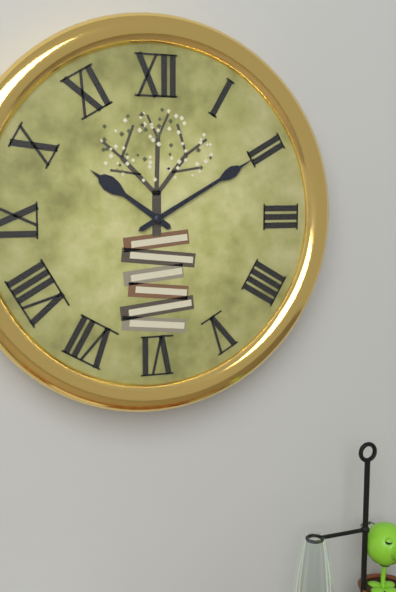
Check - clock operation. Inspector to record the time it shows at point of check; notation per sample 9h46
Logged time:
10h10
